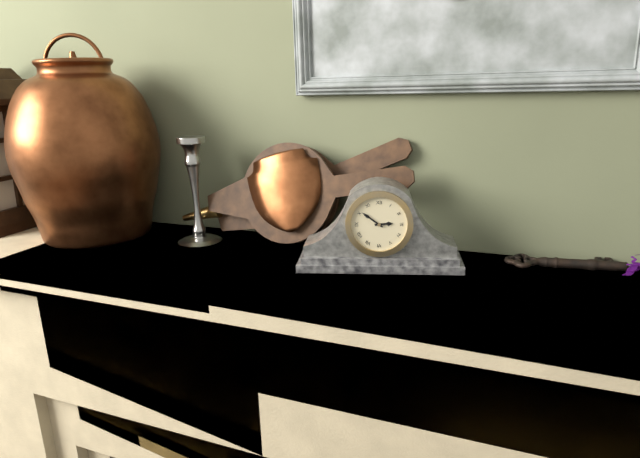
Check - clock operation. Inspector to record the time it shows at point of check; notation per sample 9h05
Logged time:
2h51
